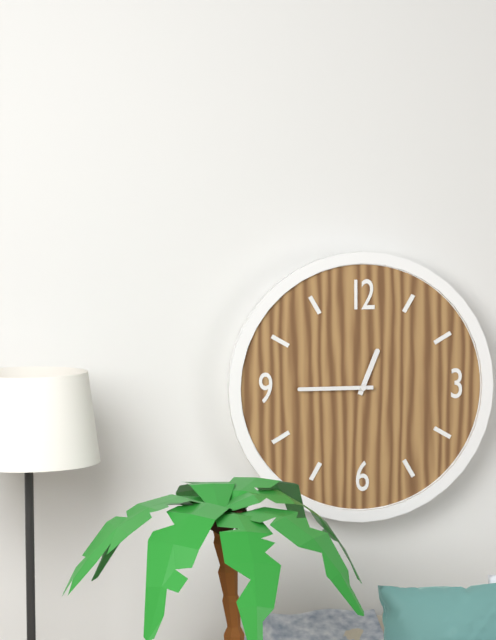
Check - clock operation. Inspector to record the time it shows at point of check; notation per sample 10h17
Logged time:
12h45
